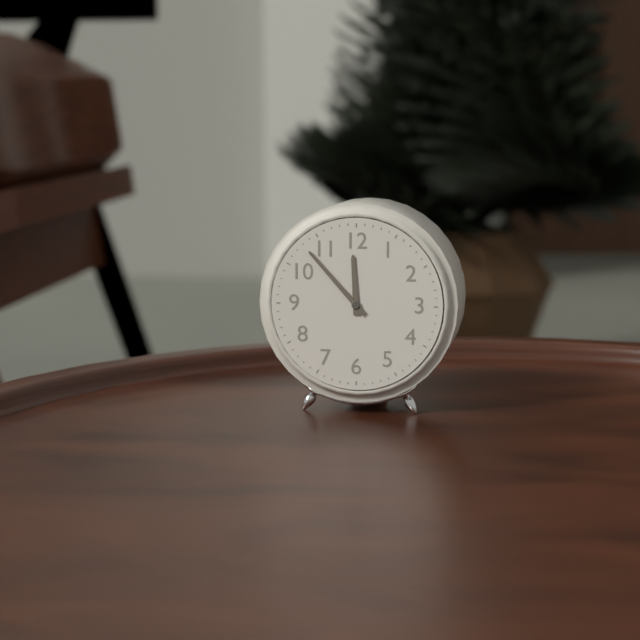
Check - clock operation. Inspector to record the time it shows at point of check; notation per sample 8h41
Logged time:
11h53
